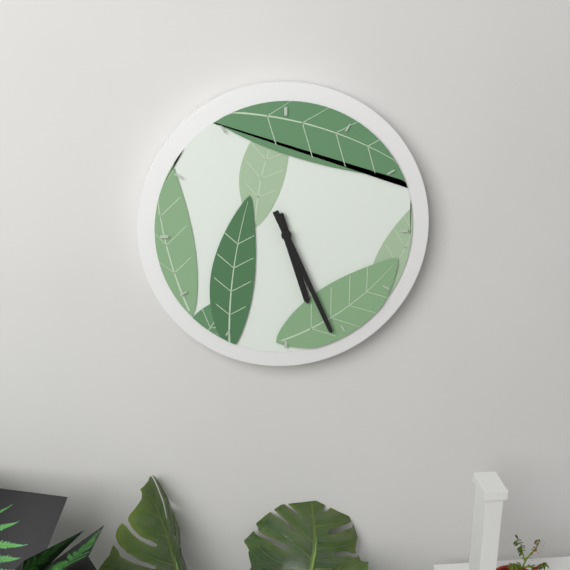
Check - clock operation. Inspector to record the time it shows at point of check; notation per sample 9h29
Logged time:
5h26
